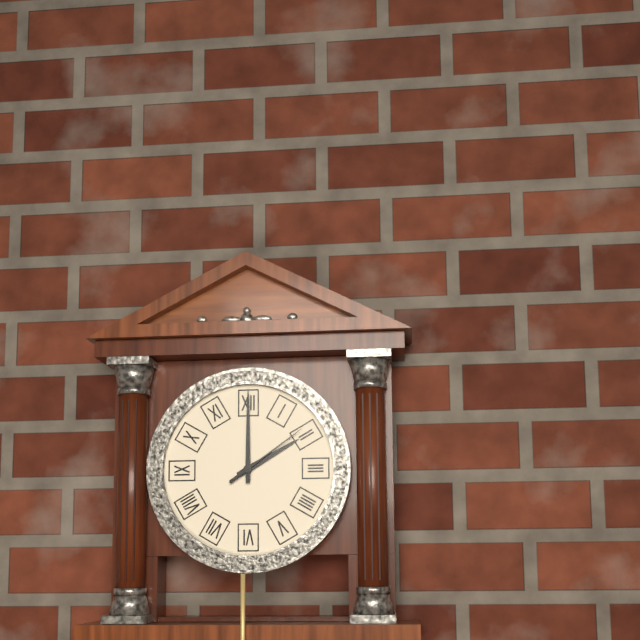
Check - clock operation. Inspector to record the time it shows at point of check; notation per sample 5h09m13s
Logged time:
2h00m09s
